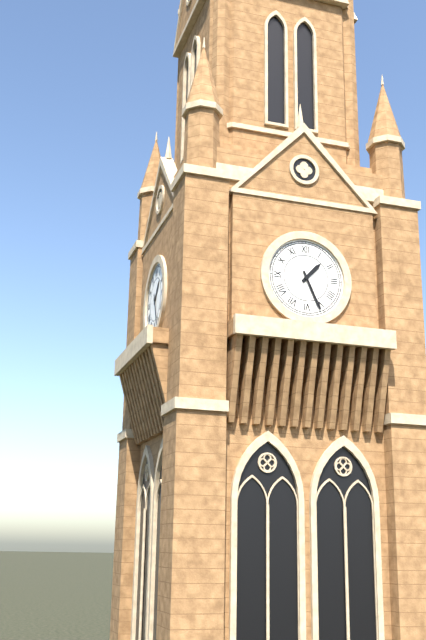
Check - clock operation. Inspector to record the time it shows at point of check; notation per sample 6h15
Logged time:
1h26
